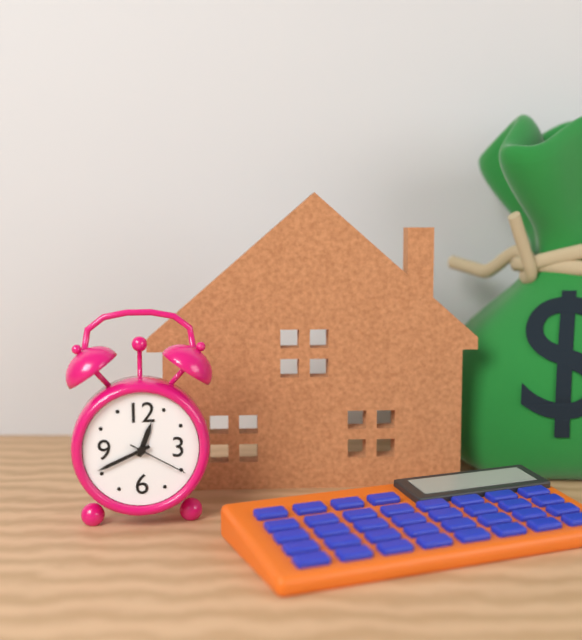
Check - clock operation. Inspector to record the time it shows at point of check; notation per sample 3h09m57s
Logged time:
12h41m20s
